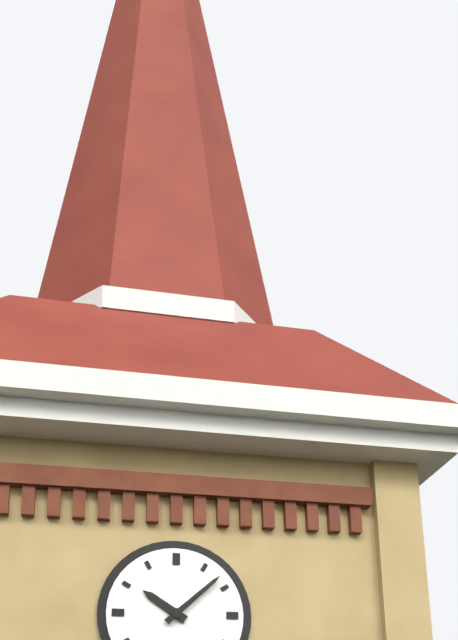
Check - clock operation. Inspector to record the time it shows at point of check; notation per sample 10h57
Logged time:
10h08
